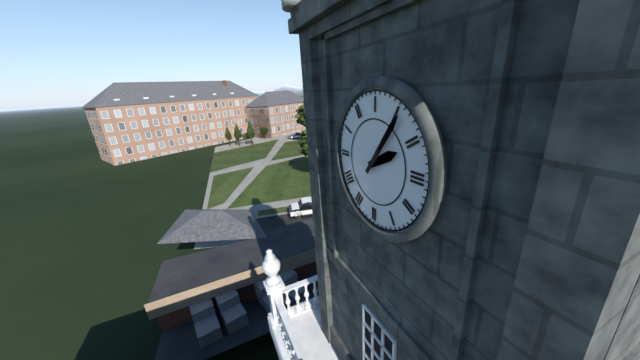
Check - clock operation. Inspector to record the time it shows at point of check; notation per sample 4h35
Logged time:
2h06
